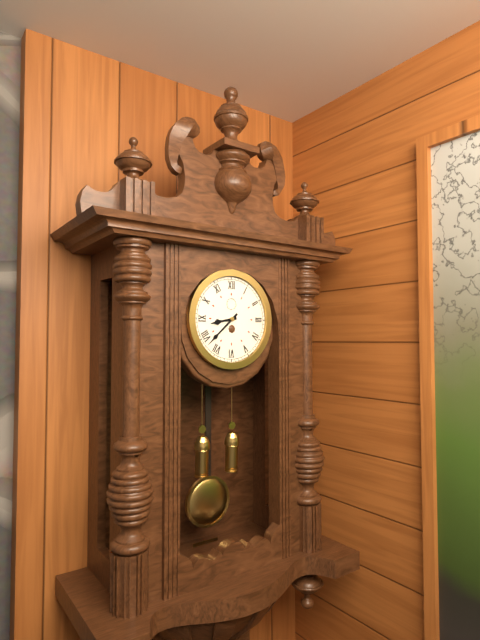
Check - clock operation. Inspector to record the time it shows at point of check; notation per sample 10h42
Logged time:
8h38
